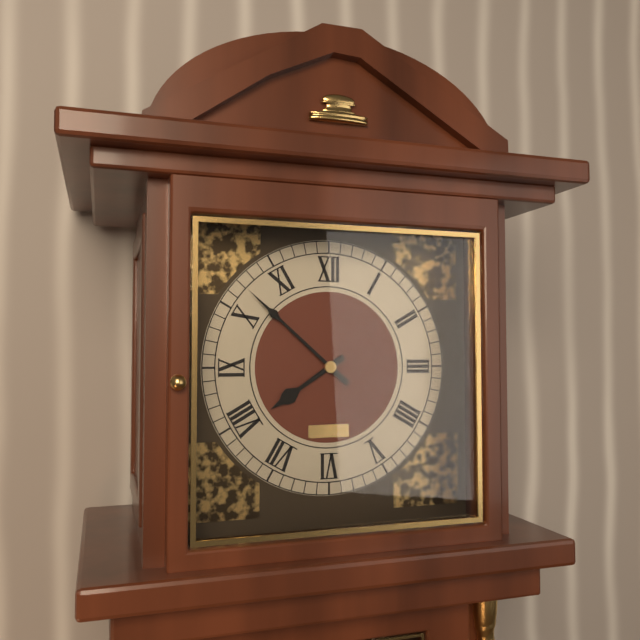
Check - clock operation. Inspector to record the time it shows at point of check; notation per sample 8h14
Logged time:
7h52
